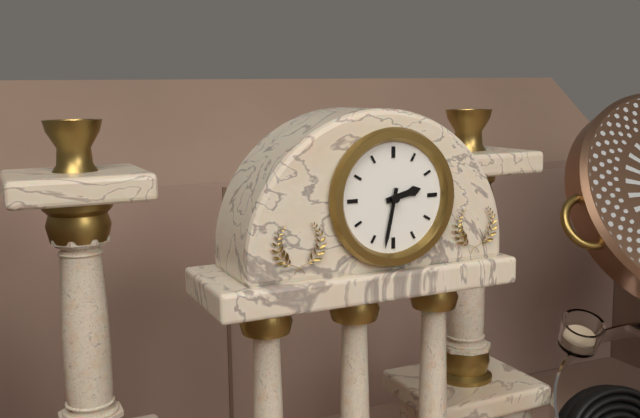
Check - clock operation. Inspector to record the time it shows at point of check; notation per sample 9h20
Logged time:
2h32
